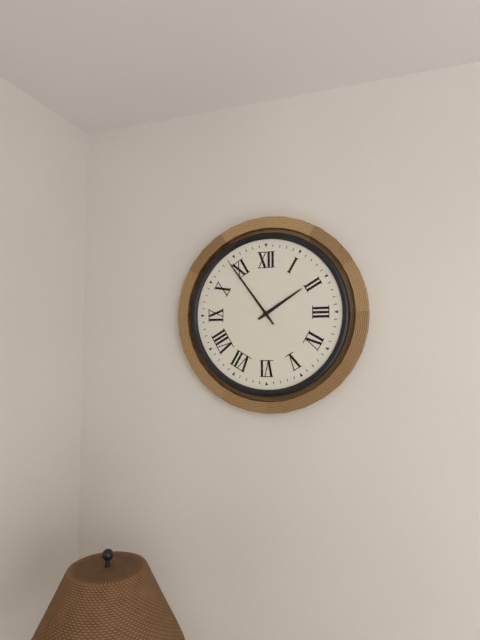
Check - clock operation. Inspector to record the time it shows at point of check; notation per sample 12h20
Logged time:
1h54
